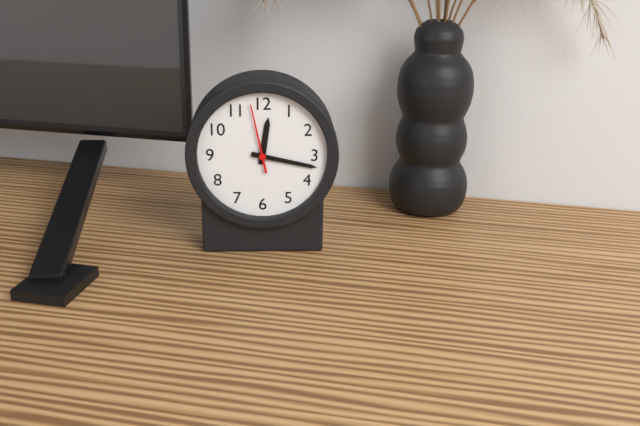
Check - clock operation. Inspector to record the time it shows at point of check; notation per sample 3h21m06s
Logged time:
12h17m58s
